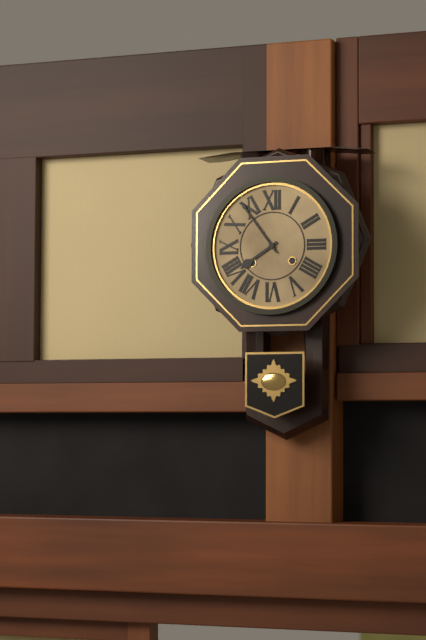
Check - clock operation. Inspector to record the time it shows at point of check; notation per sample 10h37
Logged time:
7h54
